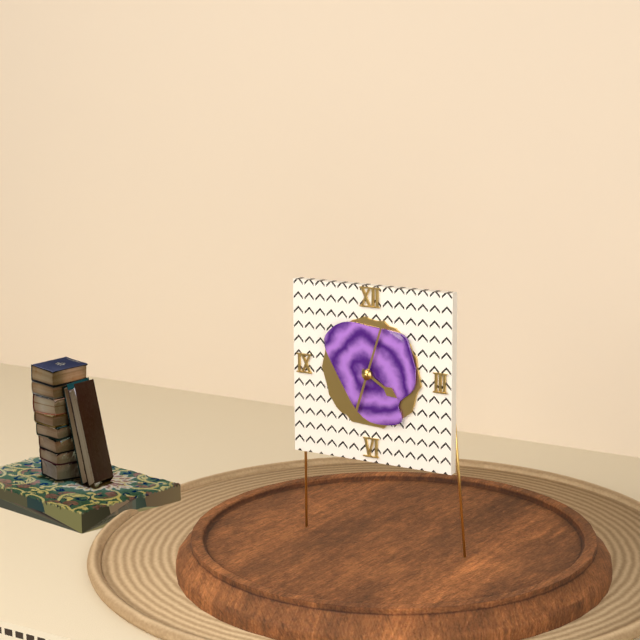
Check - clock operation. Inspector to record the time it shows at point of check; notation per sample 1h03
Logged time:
4h03
